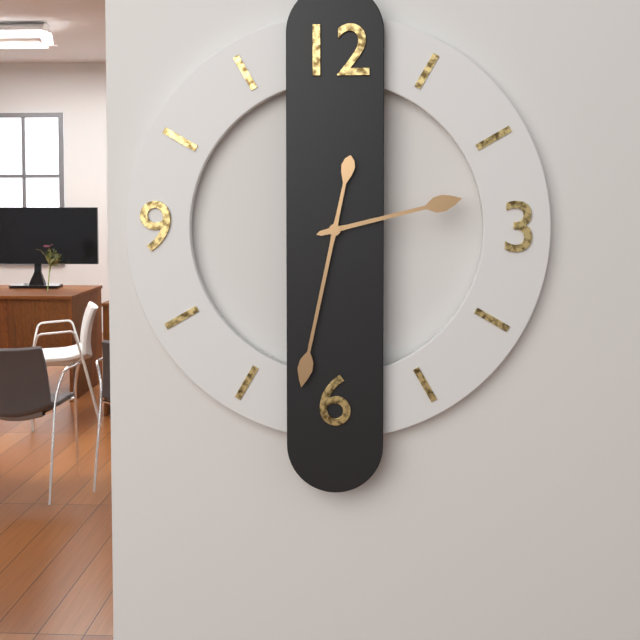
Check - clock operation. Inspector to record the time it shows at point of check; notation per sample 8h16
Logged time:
2h32
